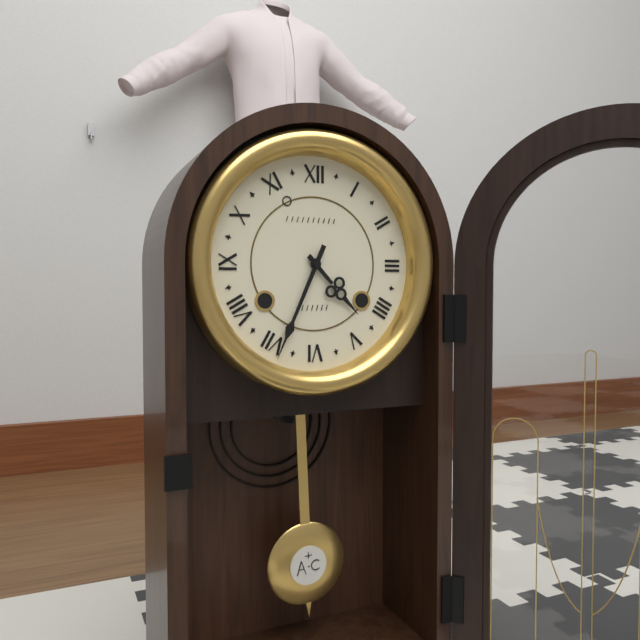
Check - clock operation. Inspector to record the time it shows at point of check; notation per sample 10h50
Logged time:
4h34
